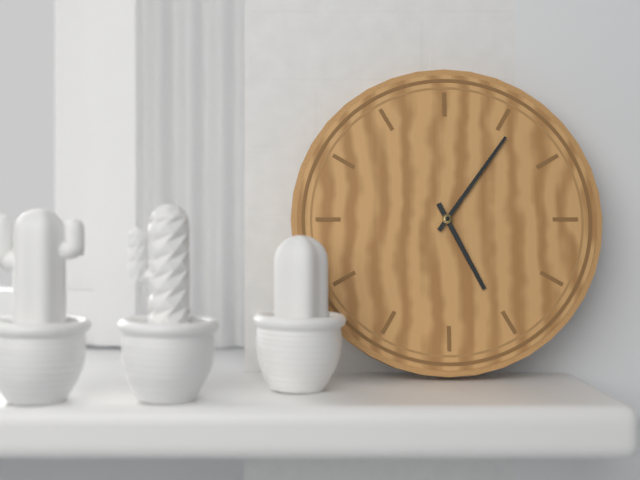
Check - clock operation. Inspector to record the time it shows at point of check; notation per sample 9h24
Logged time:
5h06
